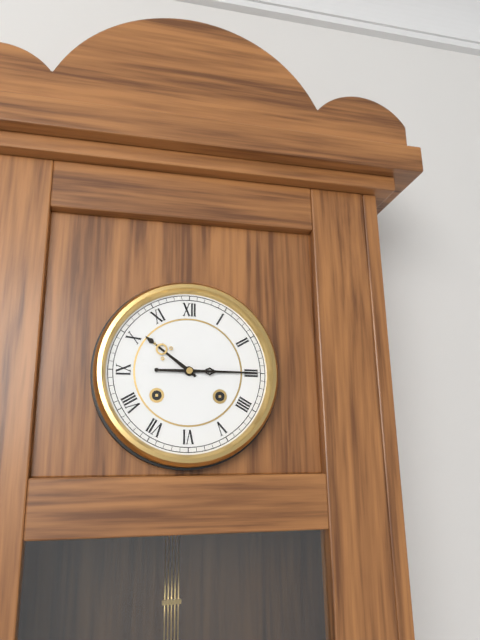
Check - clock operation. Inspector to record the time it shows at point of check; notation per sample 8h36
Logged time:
10h15
